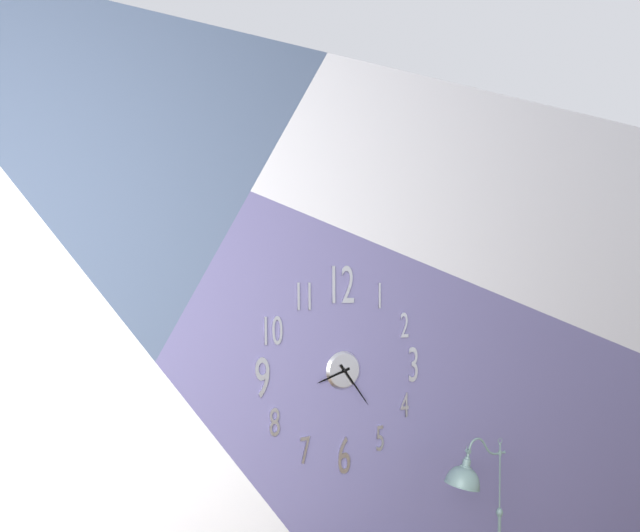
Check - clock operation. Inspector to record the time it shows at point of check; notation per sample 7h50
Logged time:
8h24
